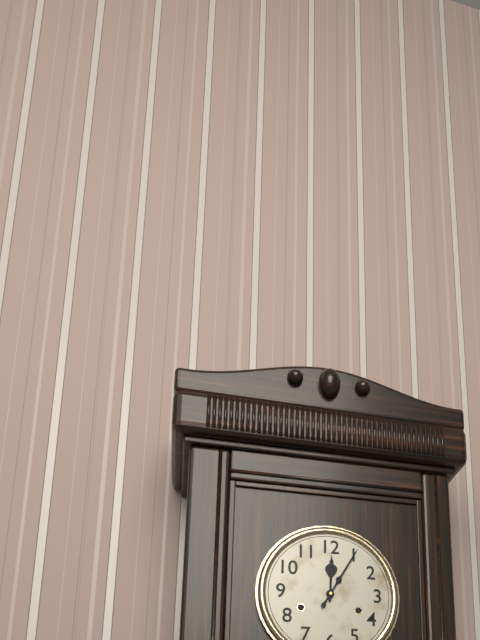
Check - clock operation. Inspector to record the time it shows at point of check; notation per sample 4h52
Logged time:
12h05
